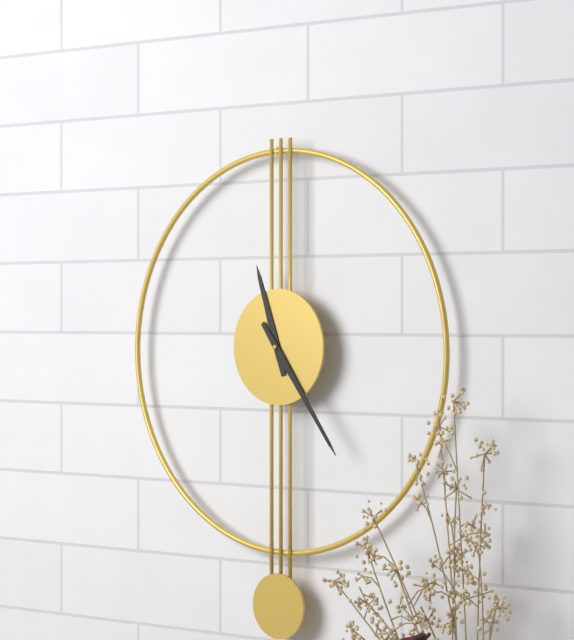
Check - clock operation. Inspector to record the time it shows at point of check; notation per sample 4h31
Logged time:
11h24
